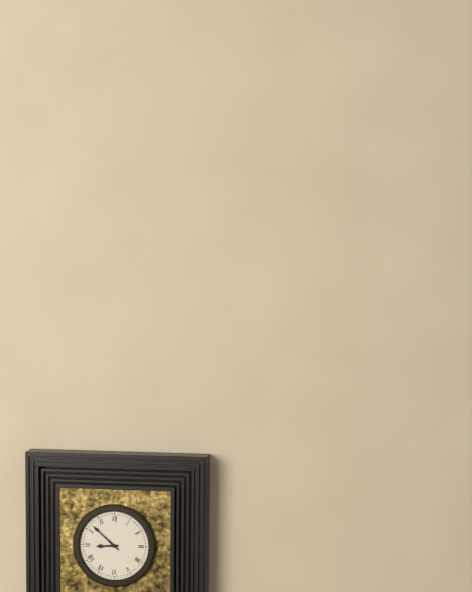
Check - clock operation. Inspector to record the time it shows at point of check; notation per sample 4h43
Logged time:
8h52
